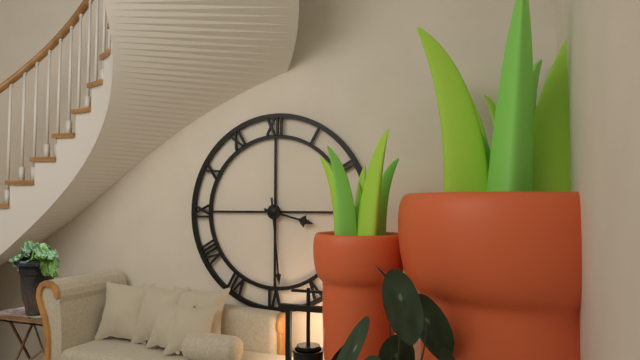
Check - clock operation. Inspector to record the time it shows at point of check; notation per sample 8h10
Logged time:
3h29
